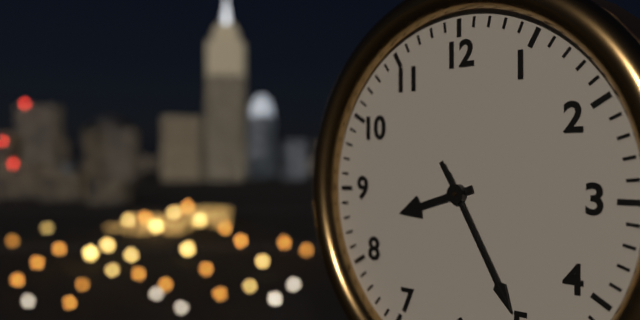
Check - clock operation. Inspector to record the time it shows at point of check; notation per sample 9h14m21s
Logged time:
8h25m25s
